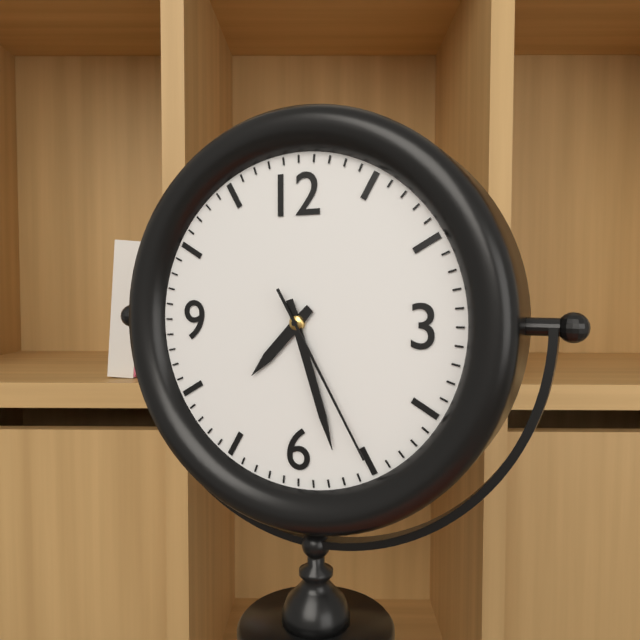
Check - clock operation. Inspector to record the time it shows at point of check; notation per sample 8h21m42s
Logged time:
7h27m25s
